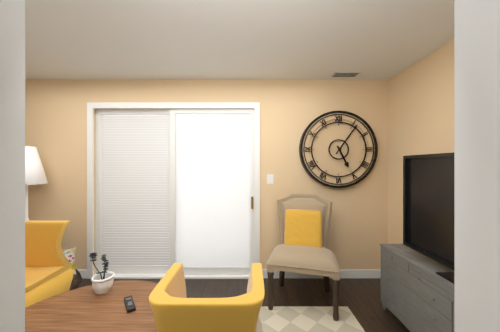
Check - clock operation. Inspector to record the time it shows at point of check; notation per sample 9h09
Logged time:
5h06
